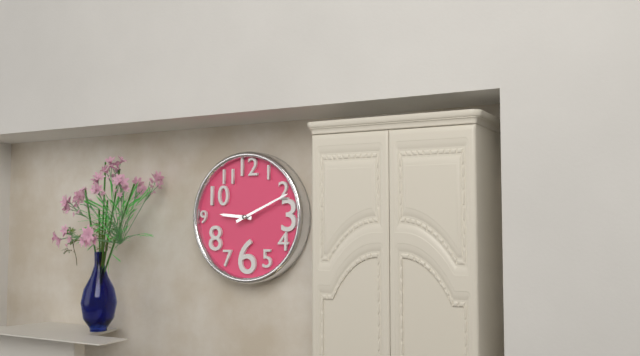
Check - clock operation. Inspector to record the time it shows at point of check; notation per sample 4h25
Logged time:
9h11
